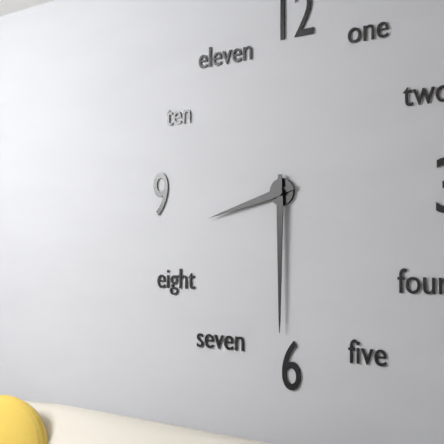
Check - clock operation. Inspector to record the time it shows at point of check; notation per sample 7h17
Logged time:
8h30
